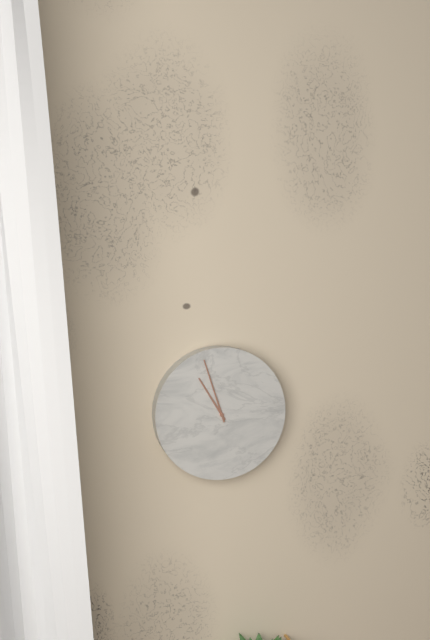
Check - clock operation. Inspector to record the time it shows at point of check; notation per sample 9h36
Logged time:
10h57
